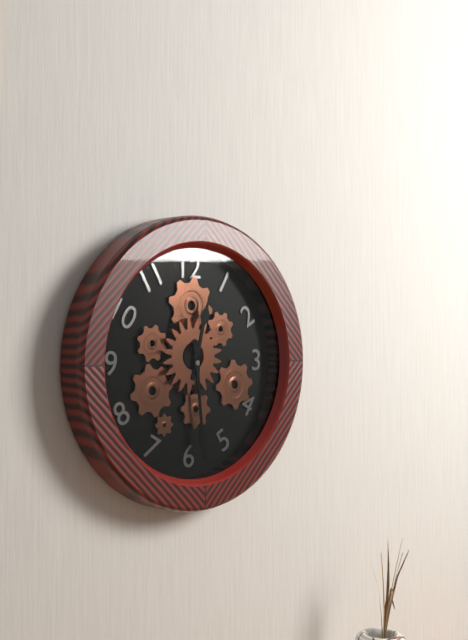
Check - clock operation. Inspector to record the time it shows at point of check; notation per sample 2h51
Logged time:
12h29
